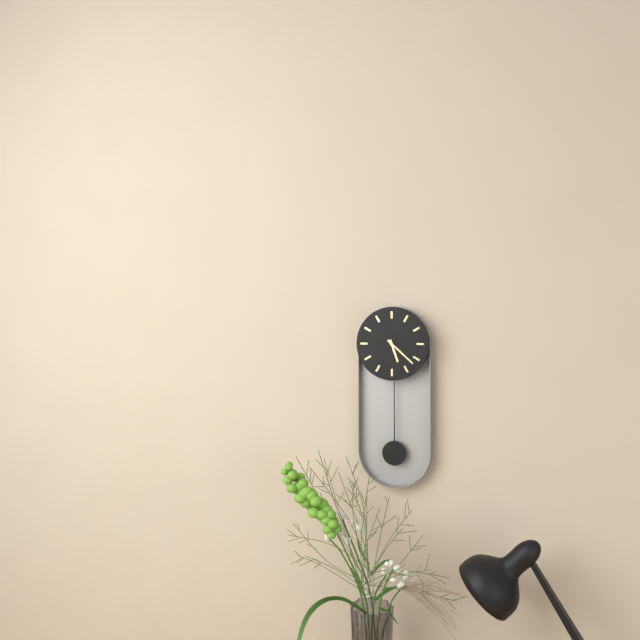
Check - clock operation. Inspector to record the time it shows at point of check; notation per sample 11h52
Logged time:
5h22
